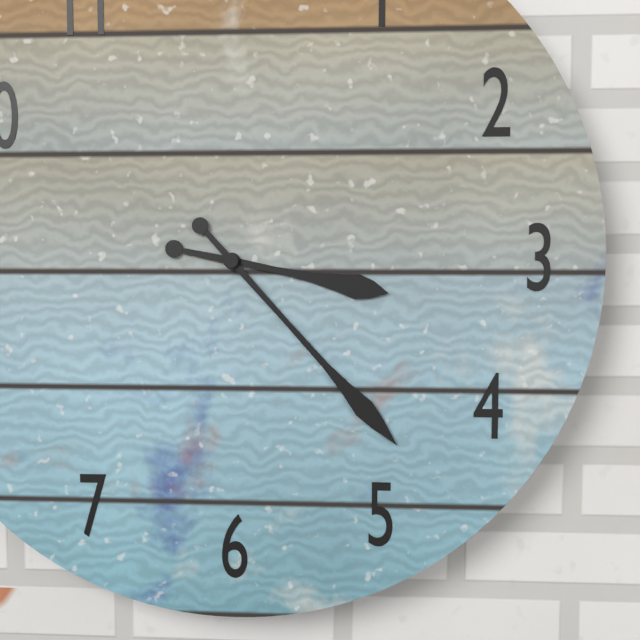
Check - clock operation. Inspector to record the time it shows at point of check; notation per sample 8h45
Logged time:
3h23
